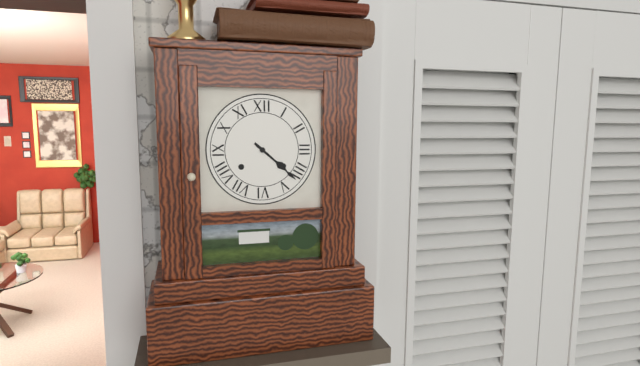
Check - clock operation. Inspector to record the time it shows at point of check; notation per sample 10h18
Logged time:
4h22
